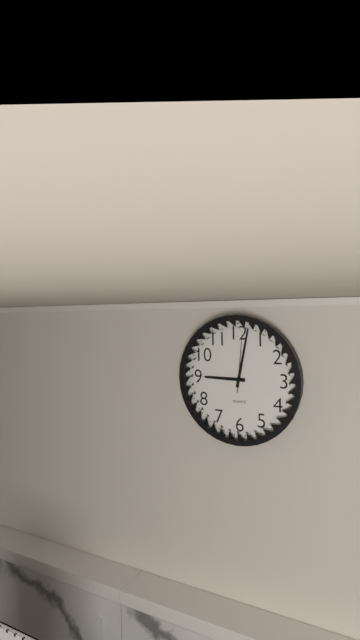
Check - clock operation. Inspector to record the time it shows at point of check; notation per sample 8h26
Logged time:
9h02
